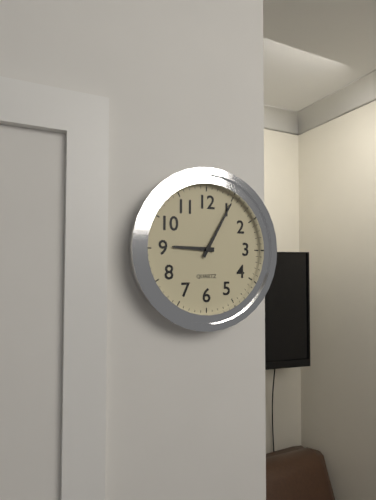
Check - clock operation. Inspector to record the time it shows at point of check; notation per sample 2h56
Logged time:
9h05
